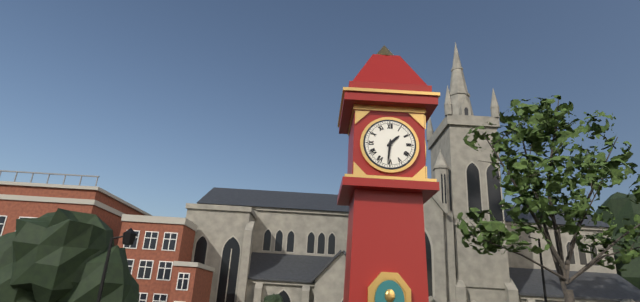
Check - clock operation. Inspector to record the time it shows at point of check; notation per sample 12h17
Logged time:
1h31
